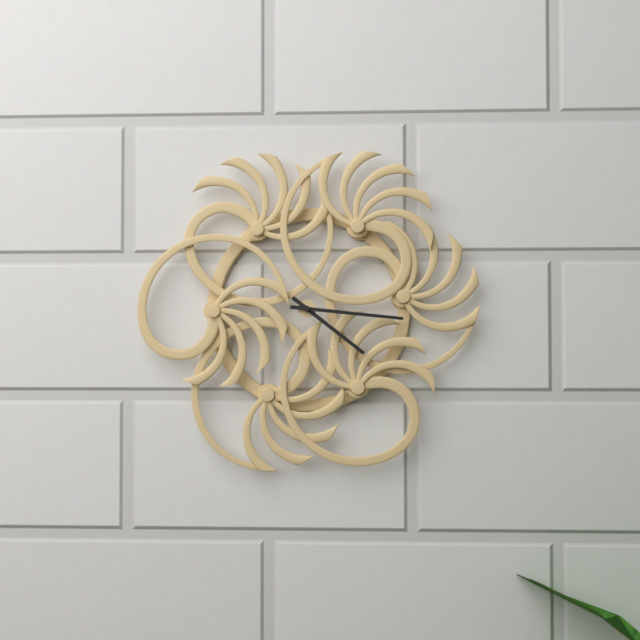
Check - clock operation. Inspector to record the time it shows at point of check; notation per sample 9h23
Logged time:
4h16
